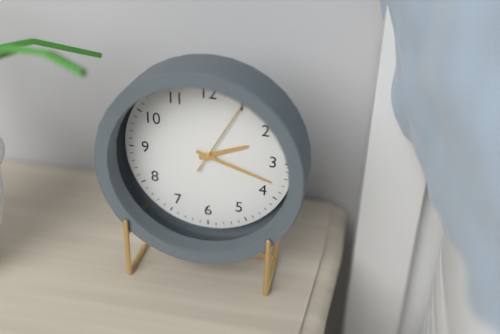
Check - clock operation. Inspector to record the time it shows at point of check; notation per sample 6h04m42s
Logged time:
2h18m05s
